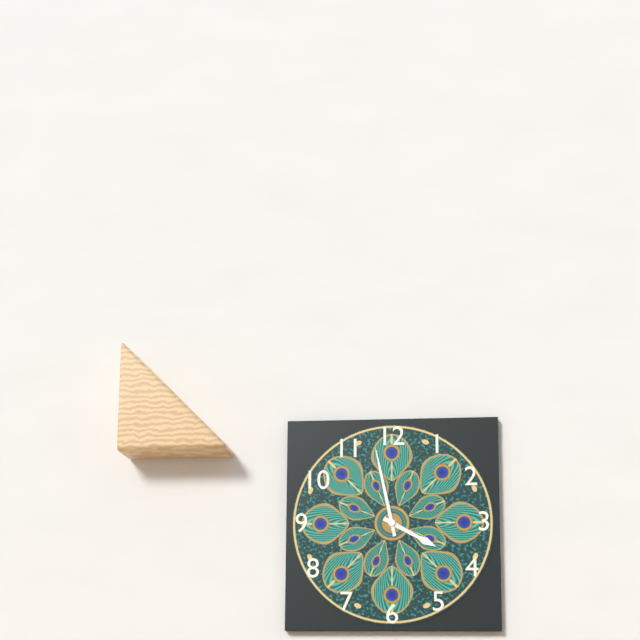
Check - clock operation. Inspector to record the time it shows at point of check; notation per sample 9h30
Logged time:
3h58
